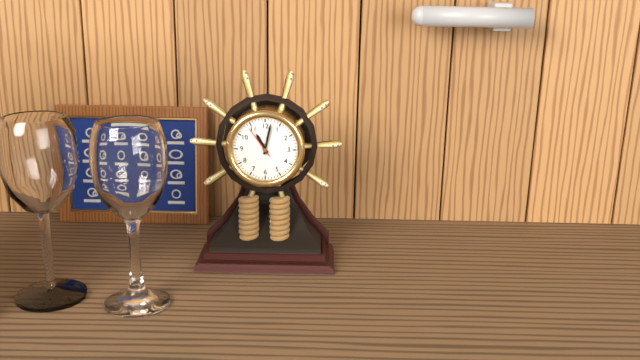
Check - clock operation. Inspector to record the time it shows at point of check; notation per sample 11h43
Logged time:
11h02
